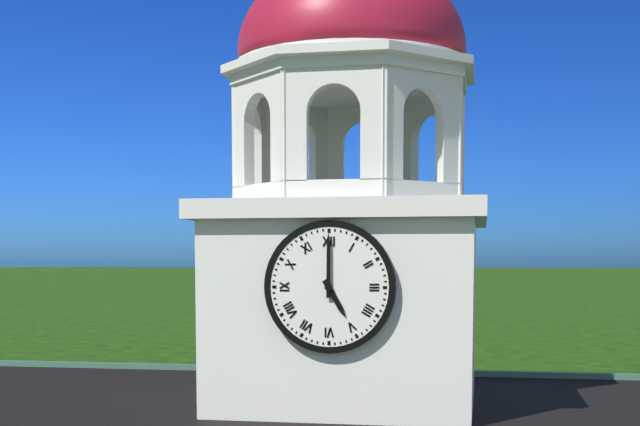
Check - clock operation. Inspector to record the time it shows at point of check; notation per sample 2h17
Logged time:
5h00
